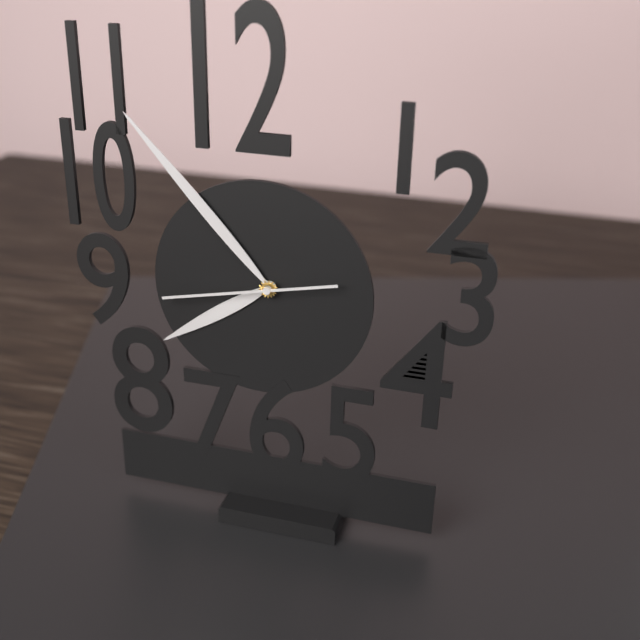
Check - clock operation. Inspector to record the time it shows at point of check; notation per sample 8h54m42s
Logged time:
7h53m43s
